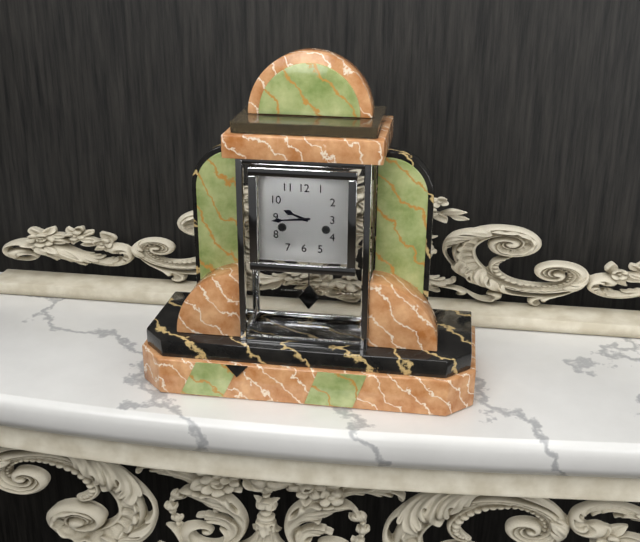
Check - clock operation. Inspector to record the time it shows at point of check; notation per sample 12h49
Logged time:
9h44
